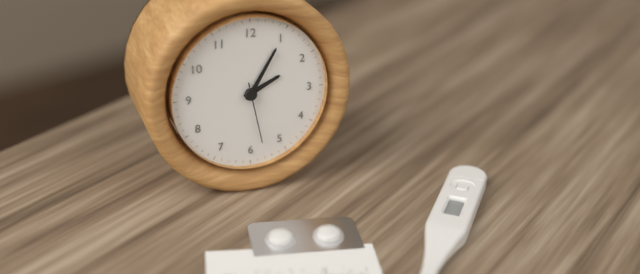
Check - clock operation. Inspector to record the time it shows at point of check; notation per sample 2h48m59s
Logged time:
2h05m28s
